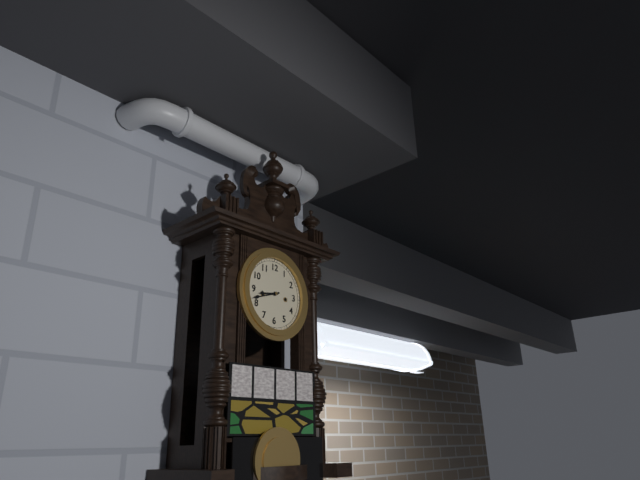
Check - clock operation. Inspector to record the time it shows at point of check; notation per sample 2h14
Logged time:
8h42
